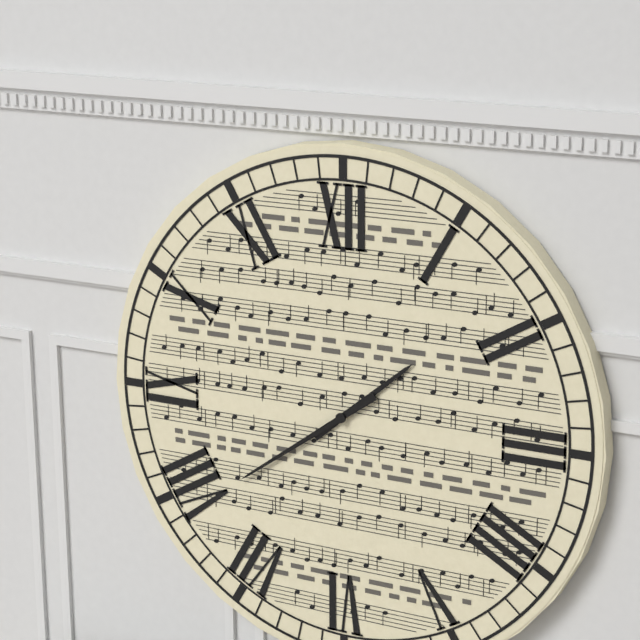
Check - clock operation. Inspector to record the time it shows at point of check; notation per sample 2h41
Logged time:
1h39
